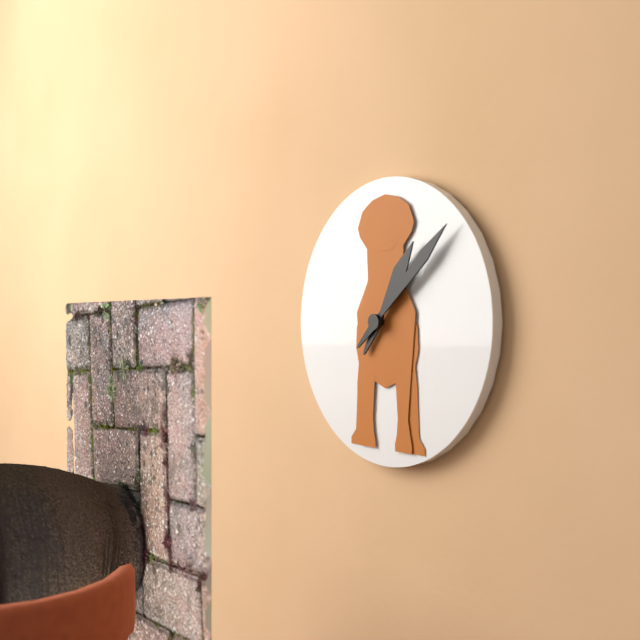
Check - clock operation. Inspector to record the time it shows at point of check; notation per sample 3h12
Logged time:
1h08
